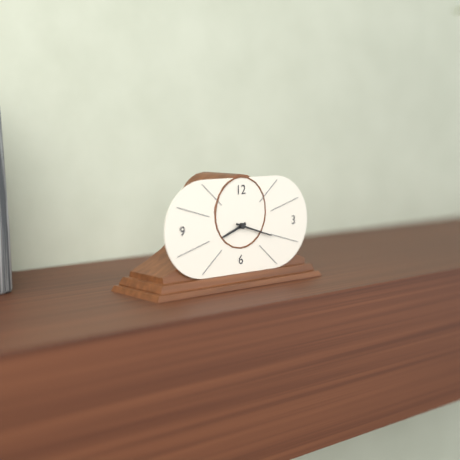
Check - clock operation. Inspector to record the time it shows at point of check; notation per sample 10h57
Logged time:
8h18
